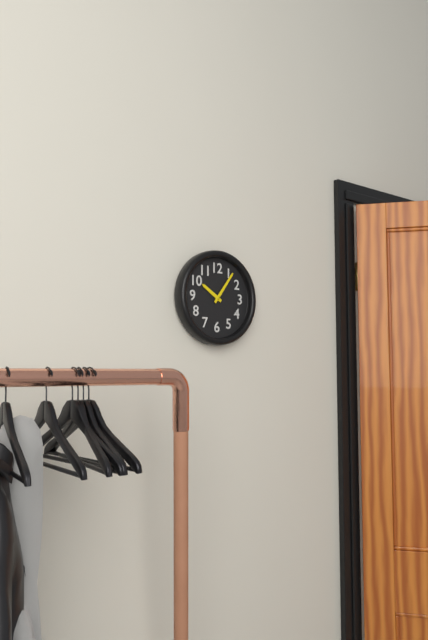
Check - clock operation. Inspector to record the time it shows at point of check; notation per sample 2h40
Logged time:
10h06
